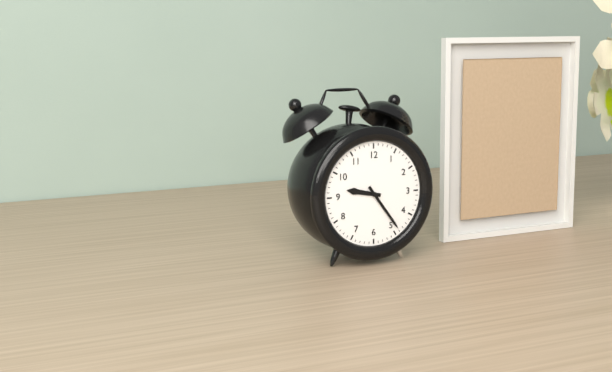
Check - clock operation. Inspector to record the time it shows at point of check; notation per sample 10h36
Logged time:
9h24
